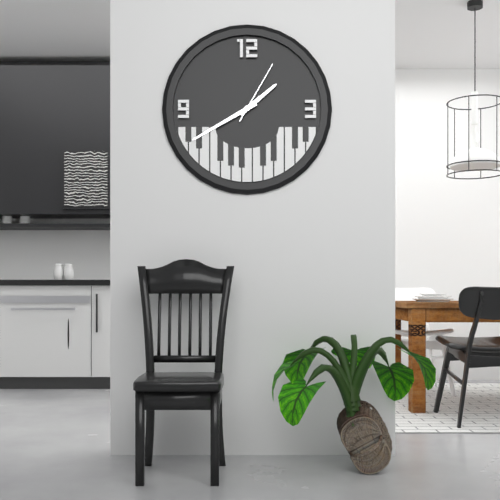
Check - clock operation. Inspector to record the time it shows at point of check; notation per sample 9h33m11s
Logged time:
1h40m05s
